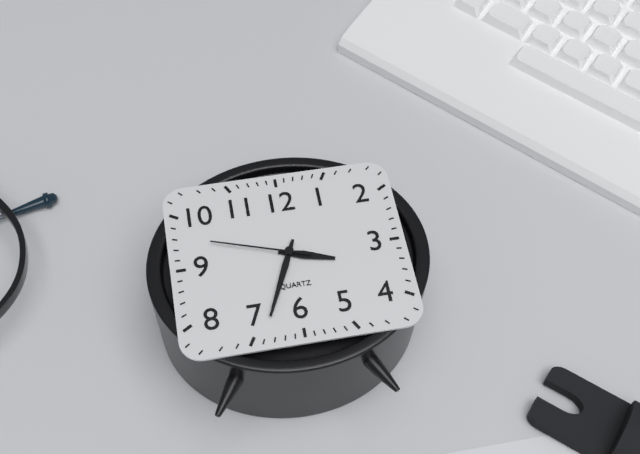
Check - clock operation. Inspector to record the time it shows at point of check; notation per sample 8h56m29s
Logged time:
3h34m48s
